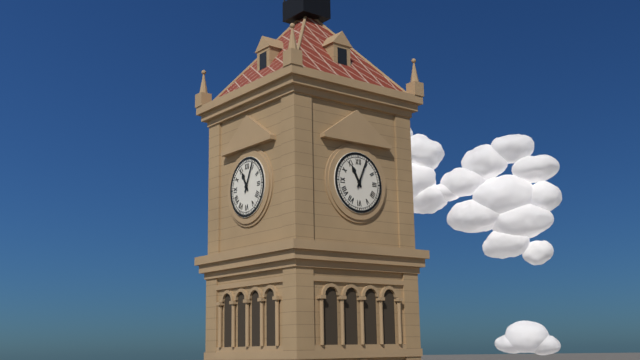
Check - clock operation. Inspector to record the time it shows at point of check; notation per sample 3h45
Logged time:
11h04
